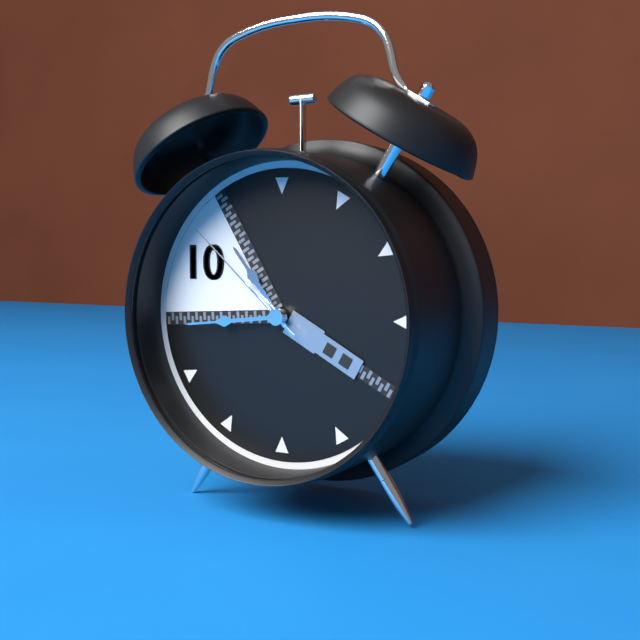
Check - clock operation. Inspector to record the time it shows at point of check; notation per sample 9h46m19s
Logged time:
10h44m52s
